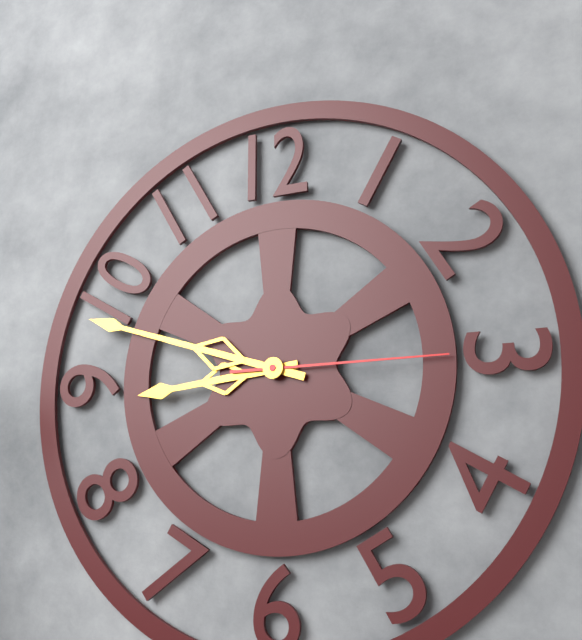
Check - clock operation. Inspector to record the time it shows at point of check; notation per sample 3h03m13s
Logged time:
8h48m15s
